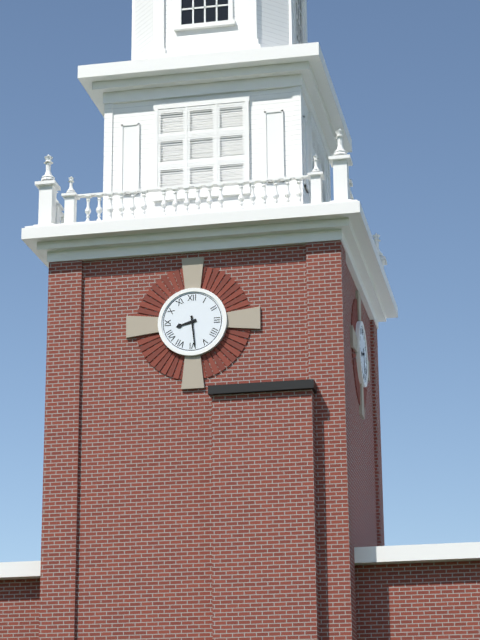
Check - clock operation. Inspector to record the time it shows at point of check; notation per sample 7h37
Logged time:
8h29
